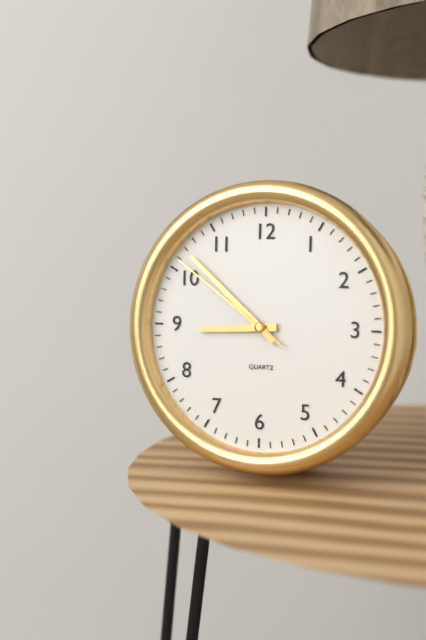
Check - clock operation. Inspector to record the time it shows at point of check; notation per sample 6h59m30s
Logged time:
8h52m51s
